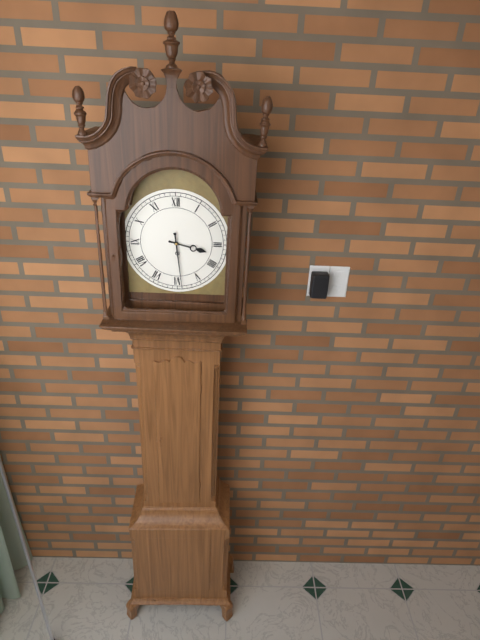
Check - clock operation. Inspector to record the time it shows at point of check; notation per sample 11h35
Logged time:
3h29
